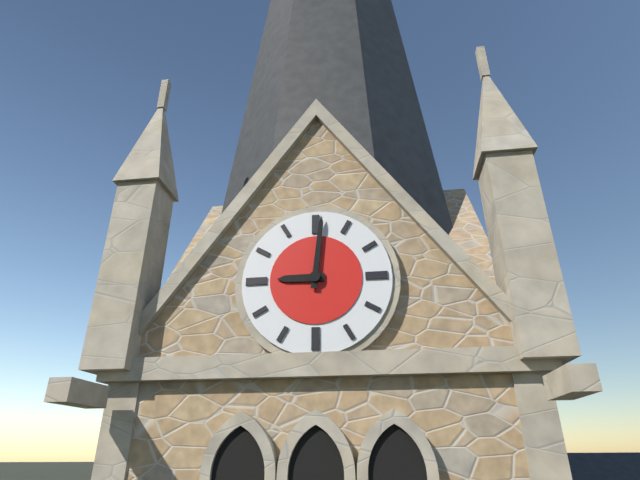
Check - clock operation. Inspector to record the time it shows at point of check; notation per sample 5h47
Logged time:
9h01
